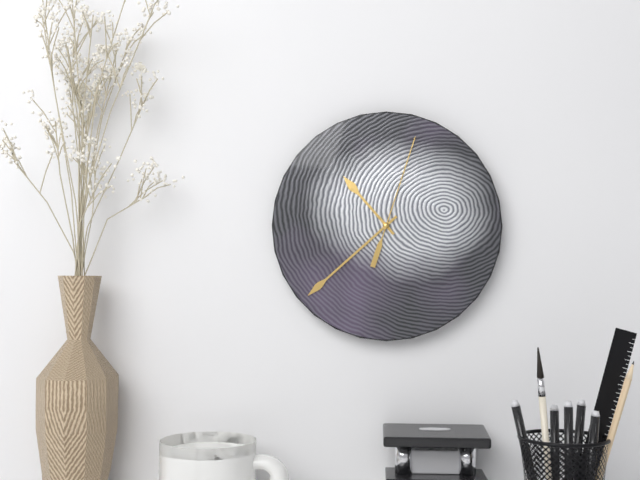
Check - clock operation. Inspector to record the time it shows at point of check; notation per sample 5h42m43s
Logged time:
10h38m03s
